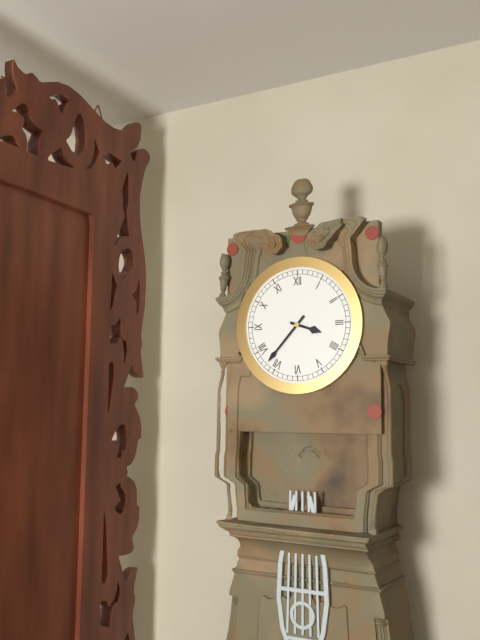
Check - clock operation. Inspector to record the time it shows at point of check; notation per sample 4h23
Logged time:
3h37
